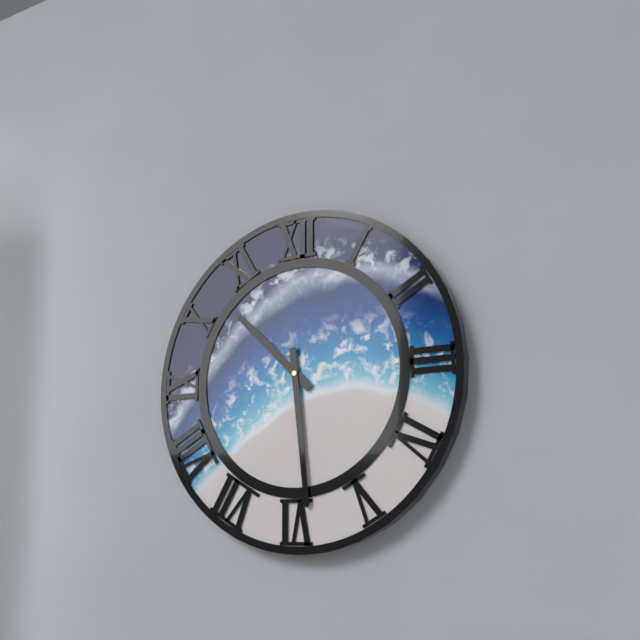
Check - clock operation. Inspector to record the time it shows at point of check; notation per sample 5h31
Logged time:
10h29
